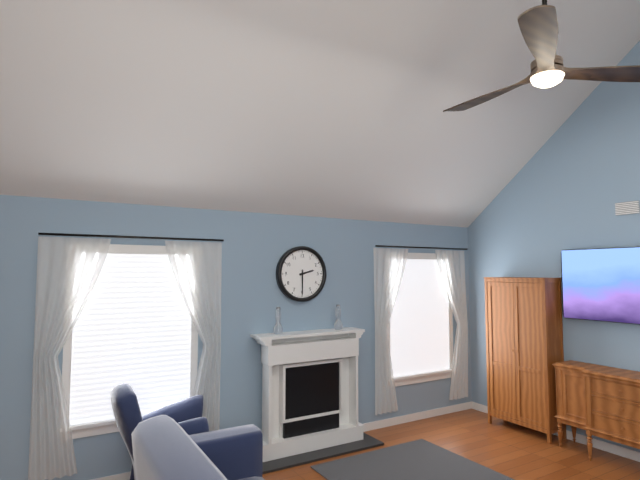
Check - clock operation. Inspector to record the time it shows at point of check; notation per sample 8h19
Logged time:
2h30
